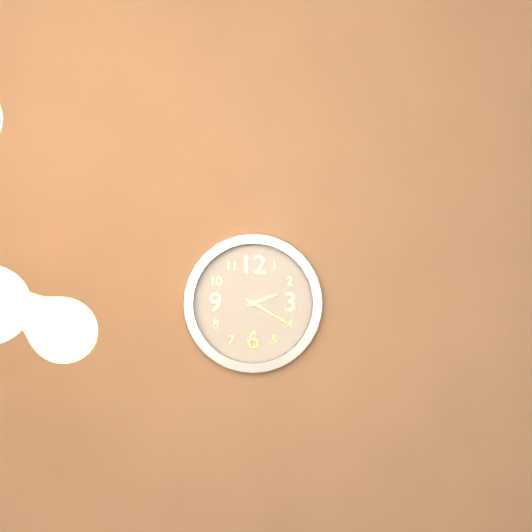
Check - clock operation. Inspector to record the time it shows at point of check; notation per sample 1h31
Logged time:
2h20
